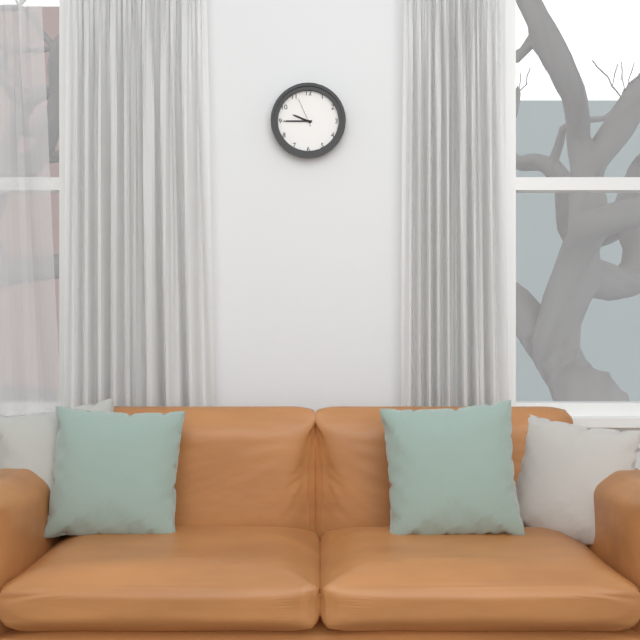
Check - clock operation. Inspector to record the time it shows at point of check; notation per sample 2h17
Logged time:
9h45
